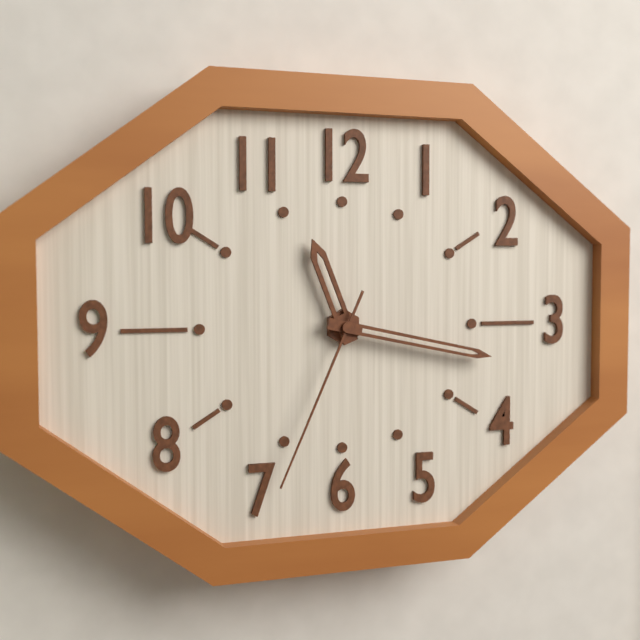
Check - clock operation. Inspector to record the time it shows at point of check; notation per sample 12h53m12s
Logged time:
11h17m34s
